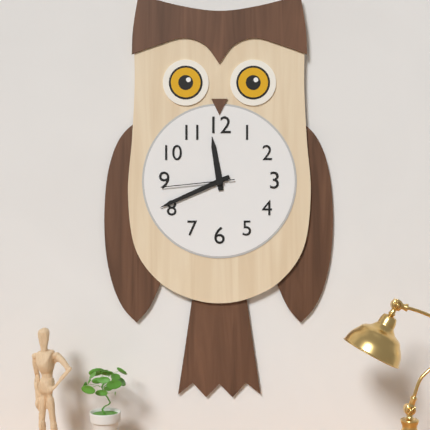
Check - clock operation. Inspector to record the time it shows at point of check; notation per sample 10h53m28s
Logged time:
11h41m44s
